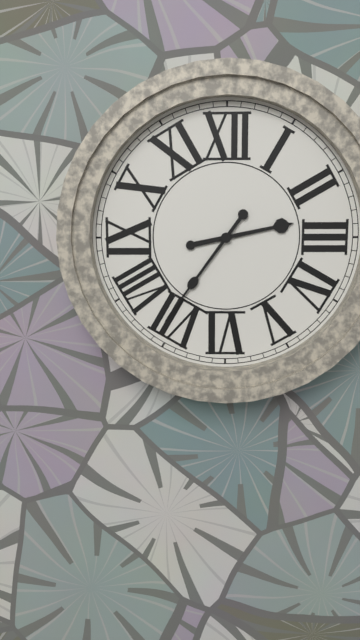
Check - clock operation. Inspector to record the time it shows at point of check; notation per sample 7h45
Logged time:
2h36
